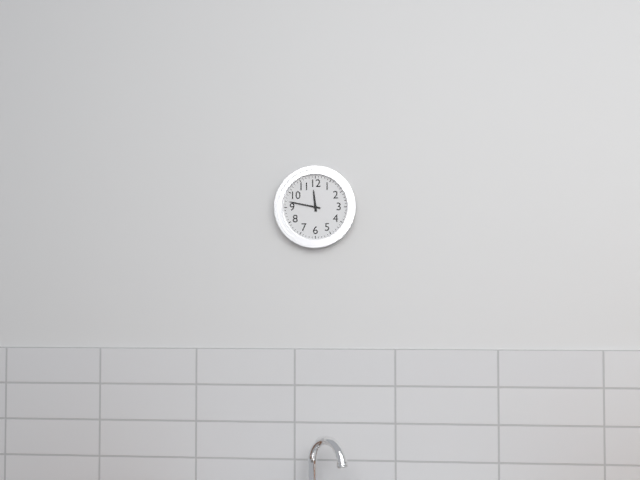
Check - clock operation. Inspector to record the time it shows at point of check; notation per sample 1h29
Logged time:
11h47
